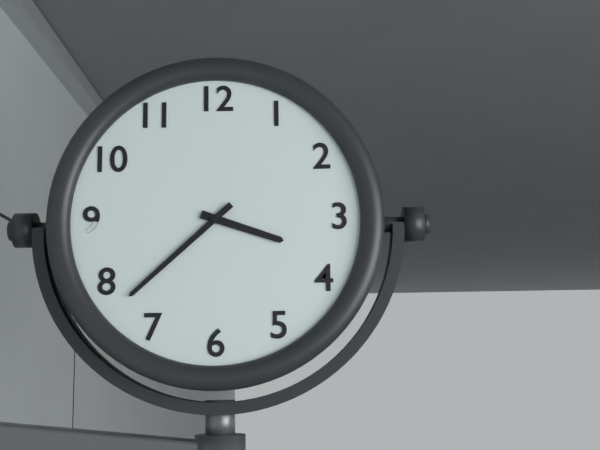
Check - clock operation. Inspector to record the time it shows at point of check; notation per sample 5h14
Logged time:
3h38
